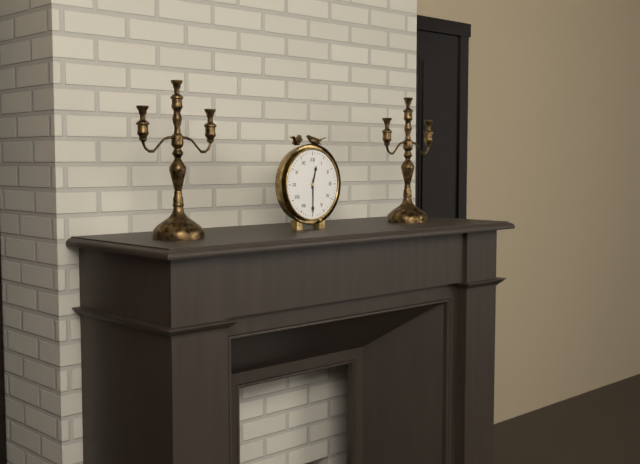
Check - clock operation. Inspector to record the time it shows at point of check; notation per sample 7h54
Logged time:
12h30
